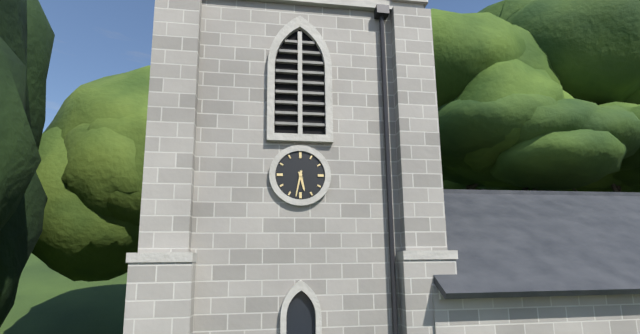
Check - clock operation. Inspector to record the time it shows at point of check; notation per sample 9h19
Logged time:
5h32
